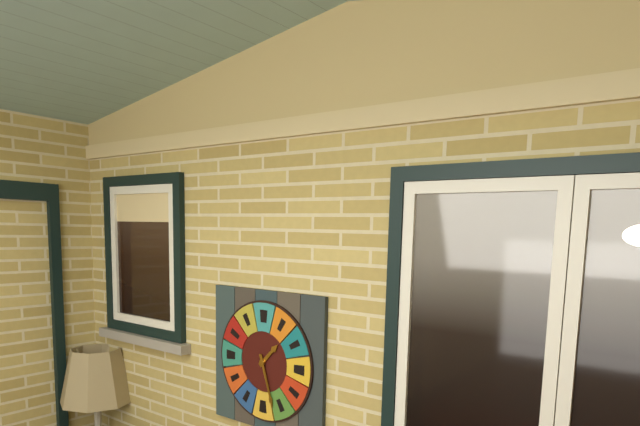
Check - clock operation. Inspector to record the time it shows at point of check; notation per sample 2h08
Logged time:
1h27
